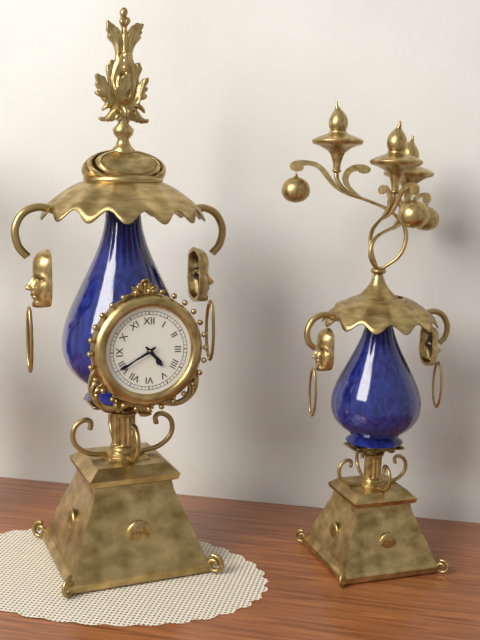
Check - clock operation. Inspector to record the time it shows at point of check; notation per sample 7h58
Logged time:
4h40
